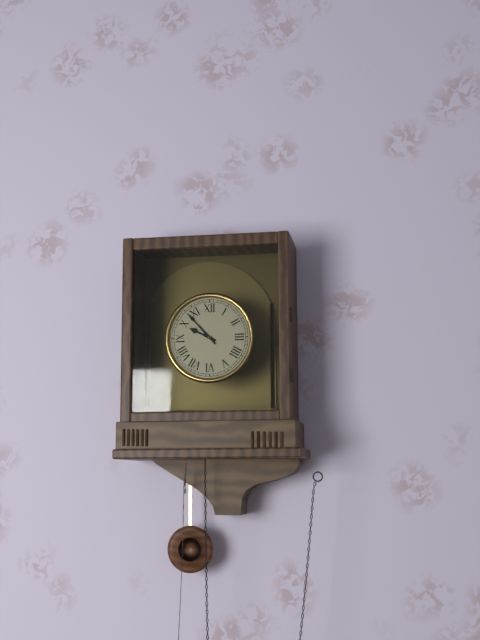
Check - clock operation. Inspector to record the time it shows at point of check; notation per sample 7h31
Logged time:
9h53
